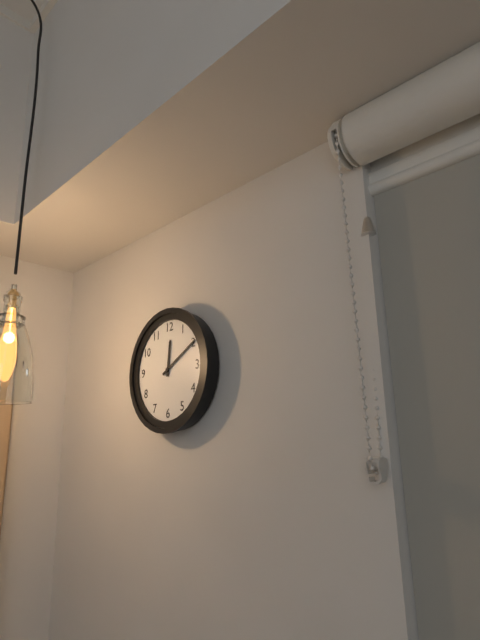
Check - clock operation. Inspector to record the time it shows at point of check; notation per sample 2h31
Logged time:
12h10
